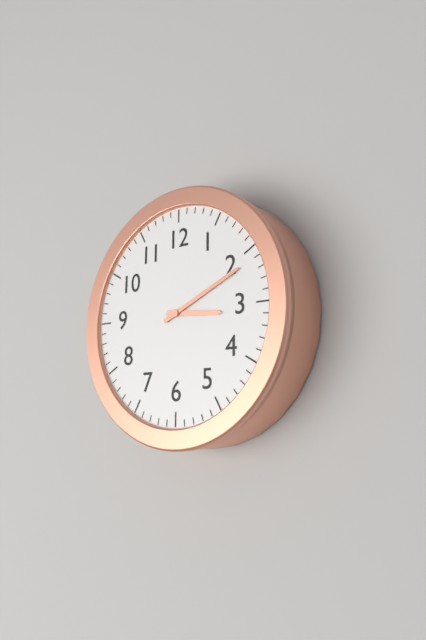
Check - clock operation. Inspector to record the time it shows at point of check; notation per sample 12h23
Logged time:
3h11
